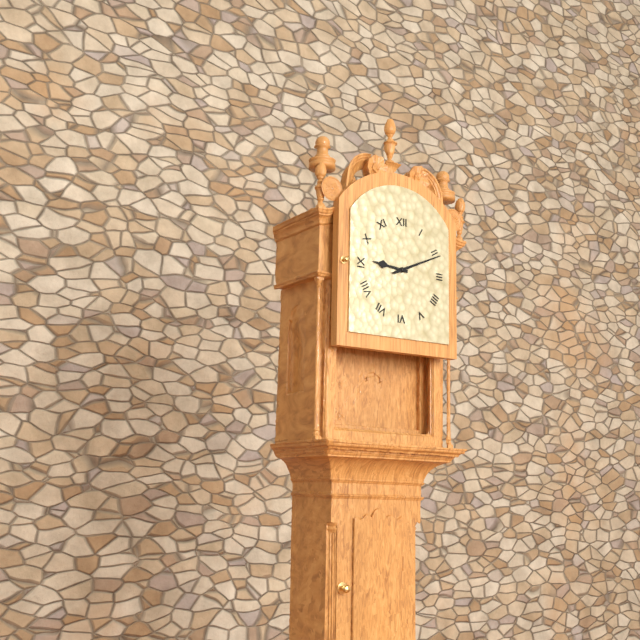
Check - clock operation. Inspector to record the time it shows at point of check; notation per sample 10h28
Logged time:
9h11
